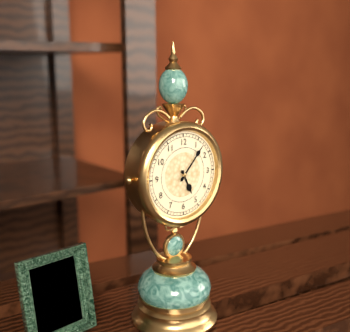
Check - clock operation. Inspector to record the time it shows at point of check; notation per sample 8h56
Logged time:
5h07
